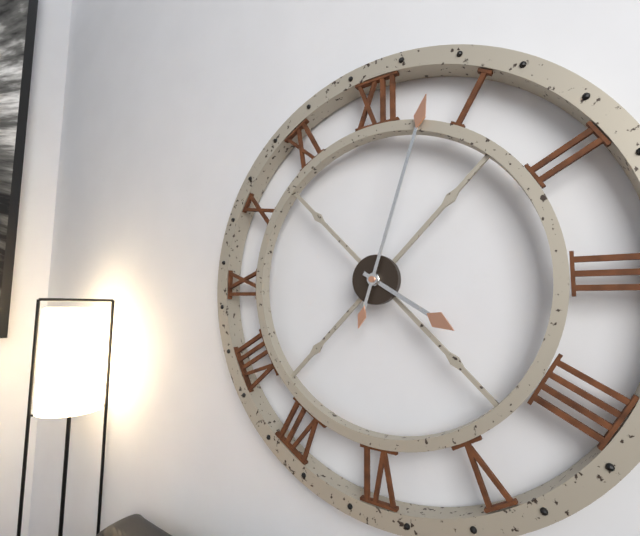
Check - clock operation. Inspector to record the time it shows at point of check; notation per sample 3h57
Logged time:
4h03
